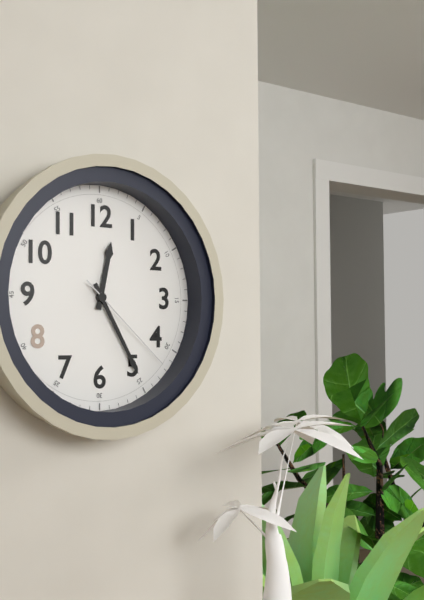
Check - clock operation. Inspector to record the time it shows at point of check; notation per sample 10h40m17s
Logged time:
12h25m22s
